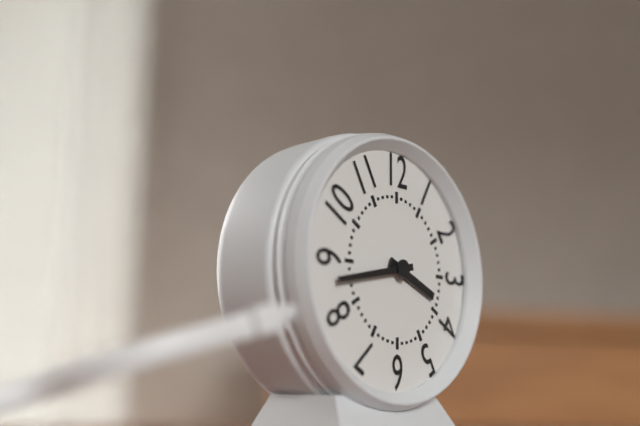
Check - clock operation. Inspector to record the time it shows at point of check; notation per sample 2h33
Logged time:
3h43
